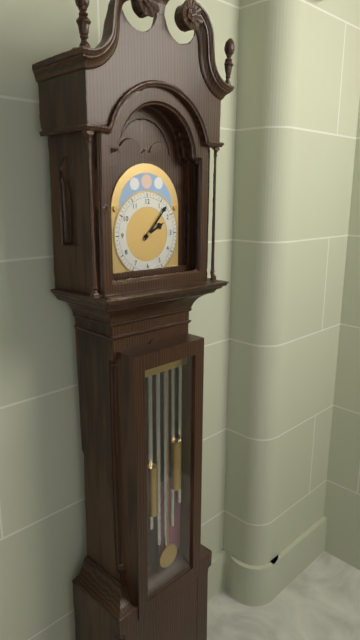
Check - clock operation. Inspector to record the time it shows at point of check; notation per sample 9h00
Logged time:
2h07
